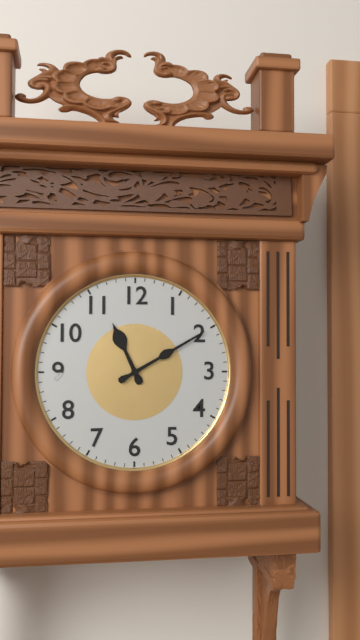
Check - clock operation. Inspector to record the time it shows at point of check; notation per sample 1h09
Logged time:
11h10
